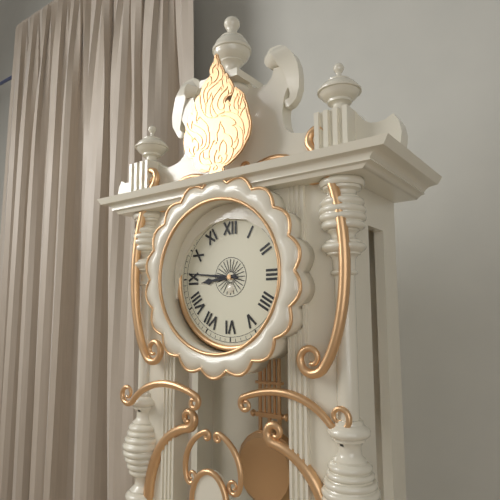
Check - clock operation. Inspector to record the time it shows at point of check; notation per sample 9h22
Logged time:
8h46
